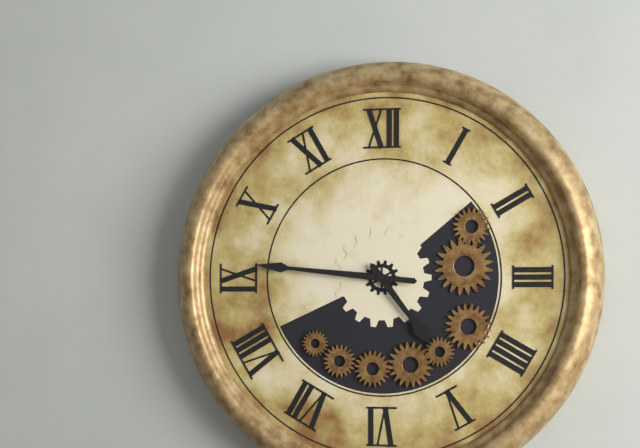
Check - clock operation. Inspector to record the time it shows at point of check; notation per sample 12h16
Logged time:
4h46
